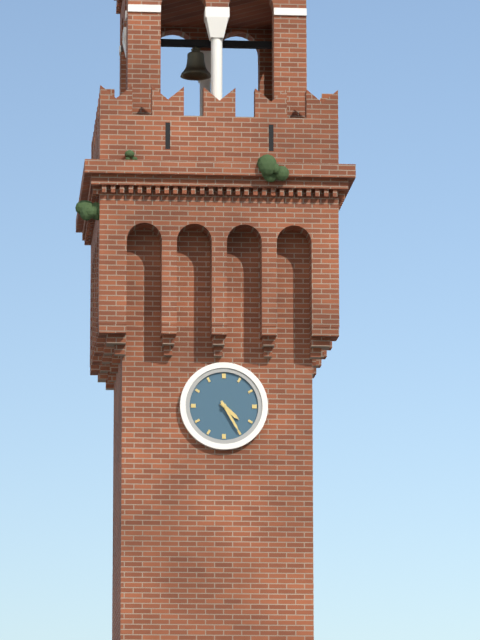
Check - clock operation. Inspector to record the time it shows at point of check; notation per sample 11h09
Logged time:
4h25
